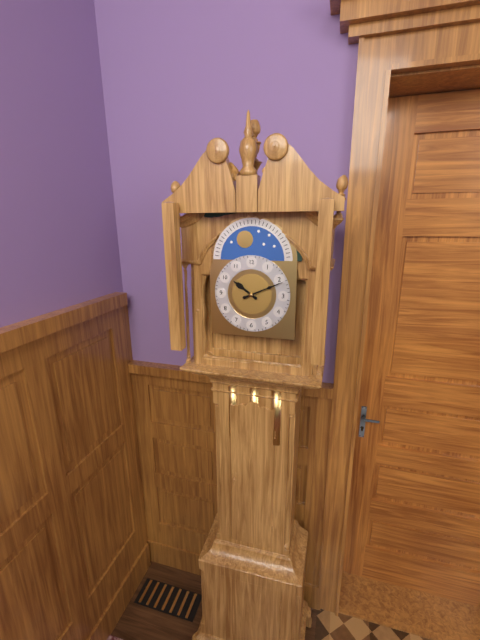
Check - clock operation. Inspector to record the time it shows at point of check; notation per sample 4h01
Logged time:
10h11
